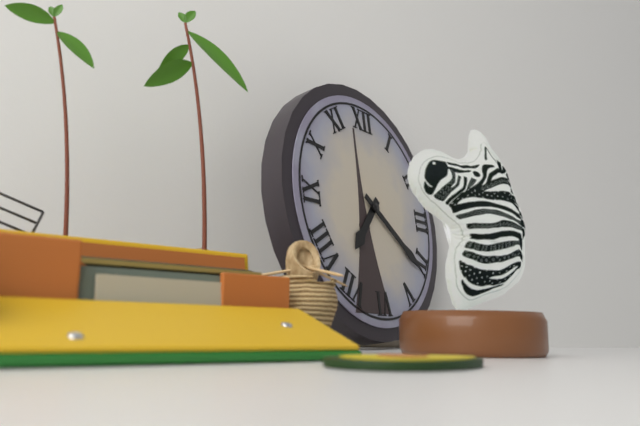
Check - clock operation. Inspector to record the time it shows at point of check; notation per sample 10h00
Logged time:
7h21
